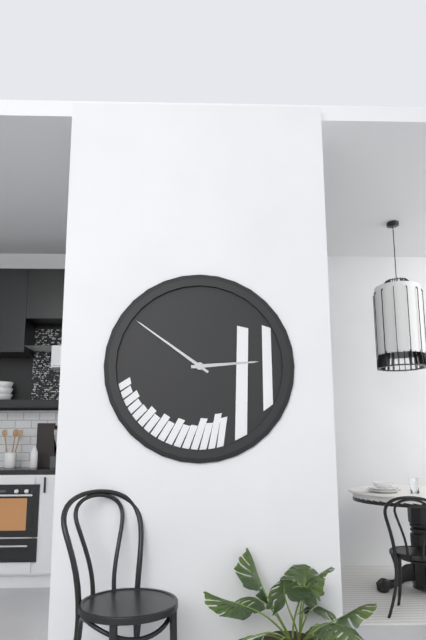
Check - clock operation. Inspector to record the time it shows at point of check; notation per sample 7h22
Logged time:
2h51
